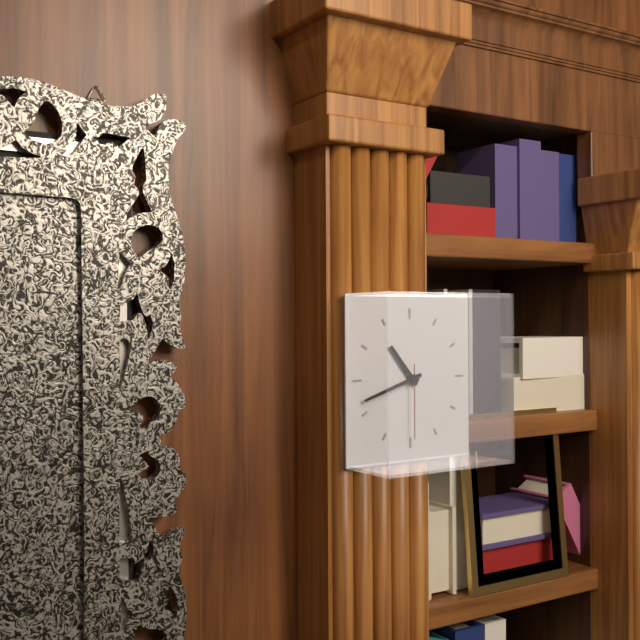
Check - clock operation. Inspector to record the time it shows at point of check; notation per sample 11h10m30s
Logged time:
10h42m30s
